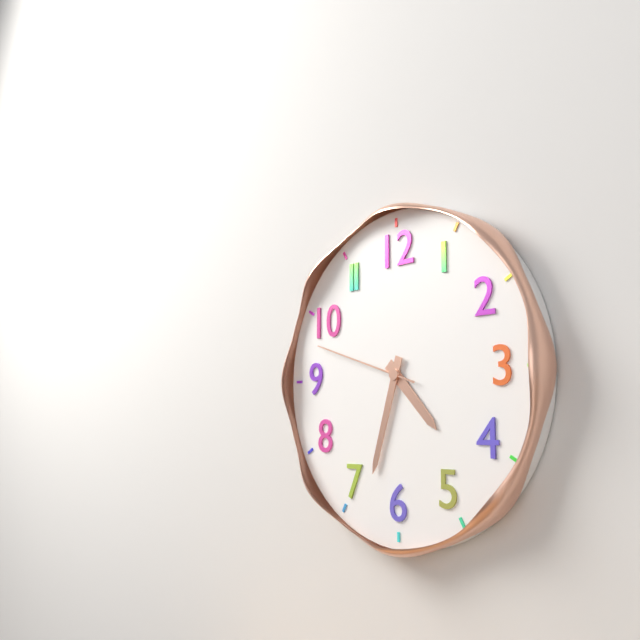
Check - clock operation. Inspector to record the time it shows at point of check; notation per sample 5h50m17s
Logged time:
4h33m48s
